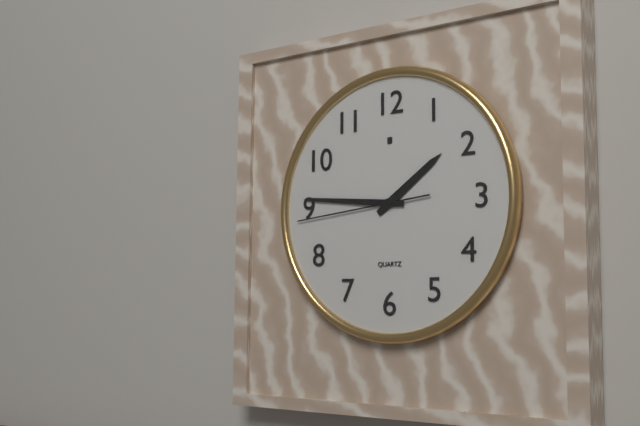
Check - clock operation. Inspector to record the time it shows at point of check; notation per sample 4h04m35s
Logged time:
1h46m44s
